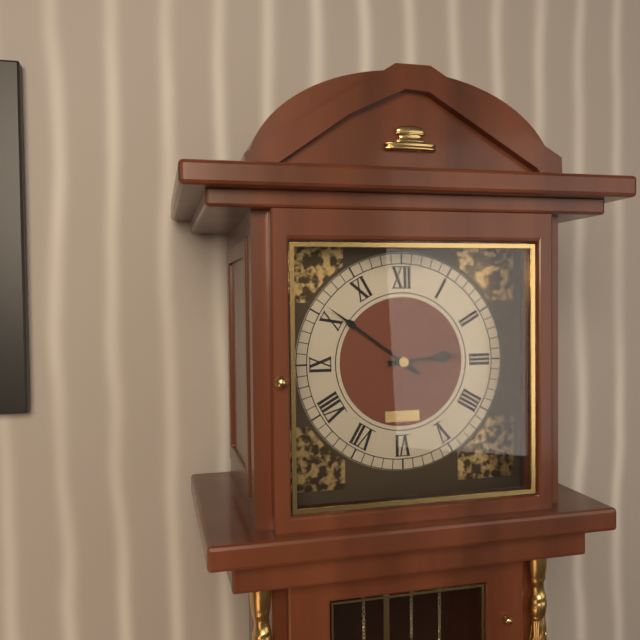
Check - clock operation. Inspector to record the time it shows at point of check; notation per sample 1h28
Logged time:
2h51
